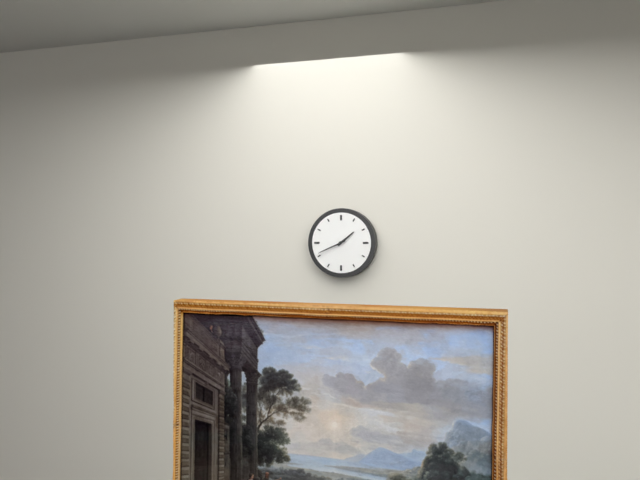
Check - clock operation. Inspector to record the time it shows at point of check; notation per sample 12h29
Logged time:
1h41
